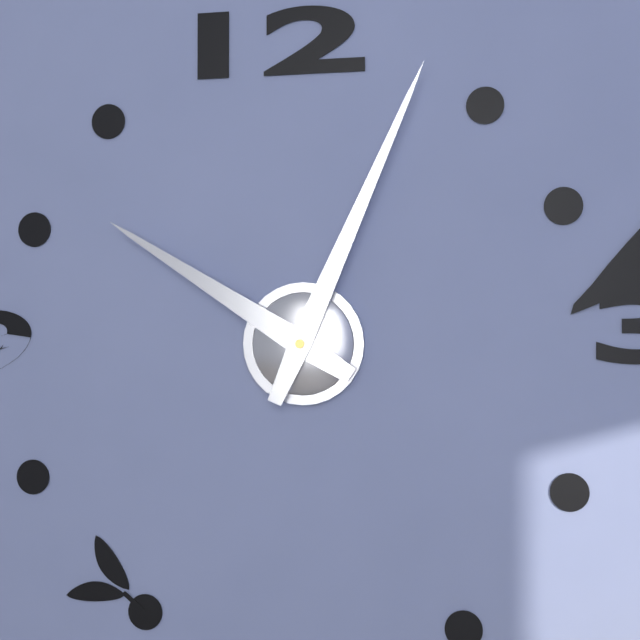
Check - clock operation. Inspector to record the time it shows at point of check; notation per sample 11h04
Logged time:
10h04
